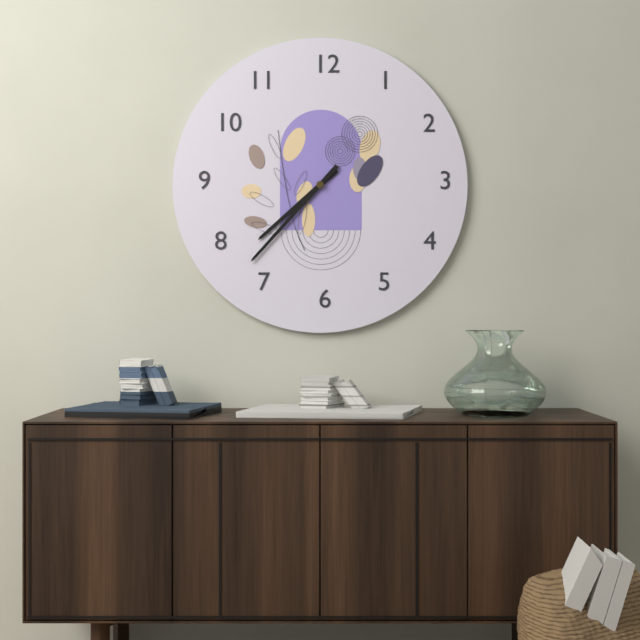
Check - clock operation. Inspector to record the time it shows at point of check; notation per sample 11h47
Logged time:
7h37
